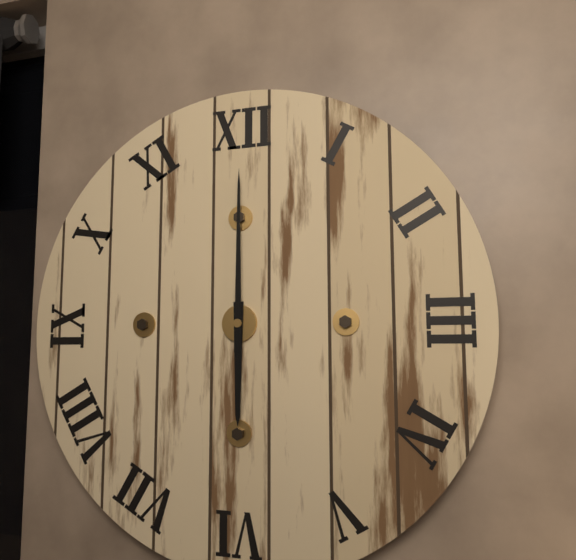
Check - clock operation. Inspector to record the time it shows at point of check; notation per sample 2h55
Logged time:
6h00
